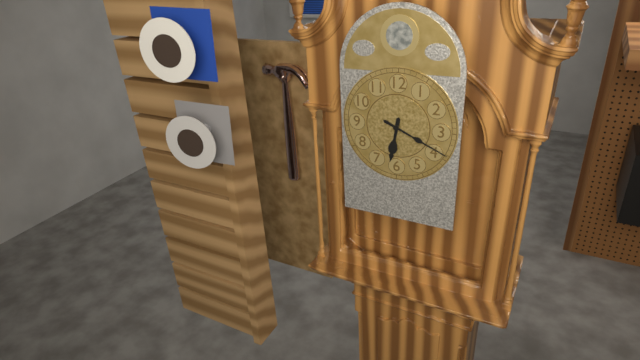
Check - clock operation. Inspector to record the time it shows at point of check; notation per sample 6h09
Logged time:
6h19
